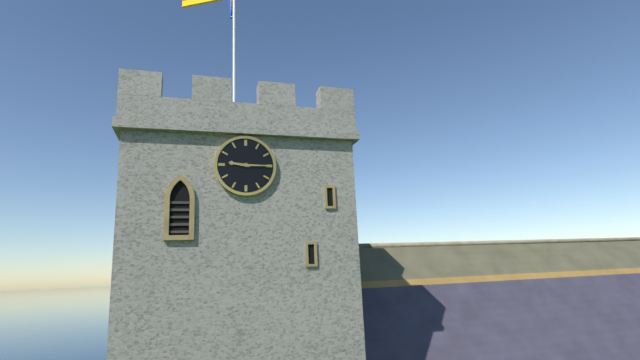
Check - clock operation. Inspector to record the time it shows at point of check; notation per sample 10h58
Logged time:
9h15
